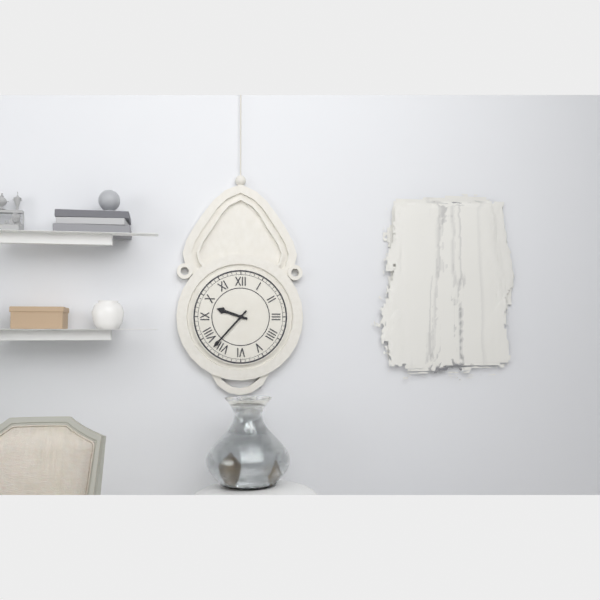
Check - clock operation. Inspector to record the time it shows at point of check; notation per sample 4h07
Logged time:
9h37
